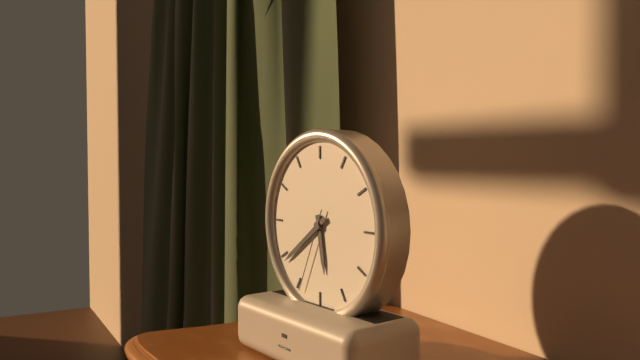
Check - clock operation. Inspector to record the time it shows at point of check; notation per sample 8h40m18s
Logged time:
5h39m34s
